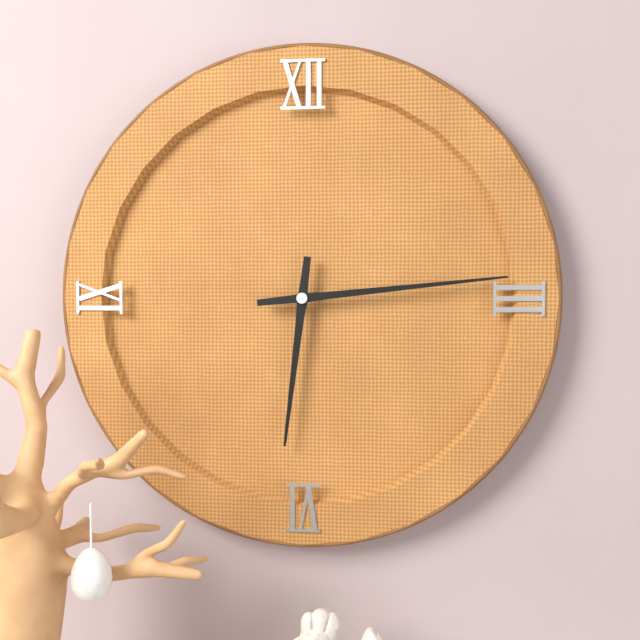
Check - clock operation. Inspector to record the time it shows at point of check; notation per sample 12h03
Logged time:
6h14
